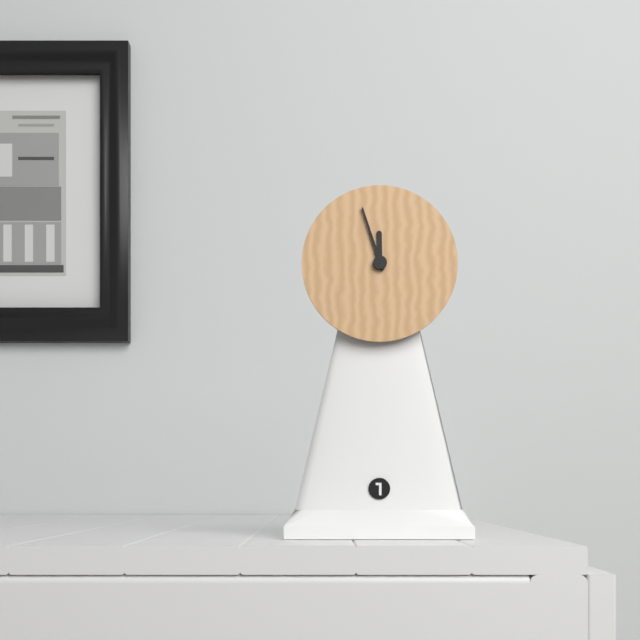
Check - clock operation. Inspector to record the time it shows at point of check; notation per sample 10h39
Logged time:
11h57
